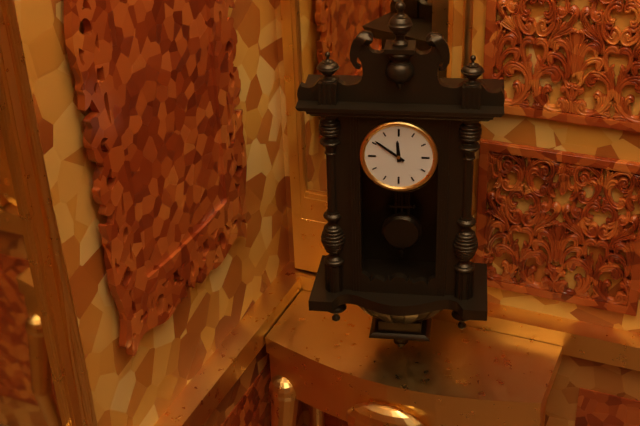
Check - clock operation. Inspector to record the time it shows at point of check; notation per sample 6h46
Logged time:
11h51
